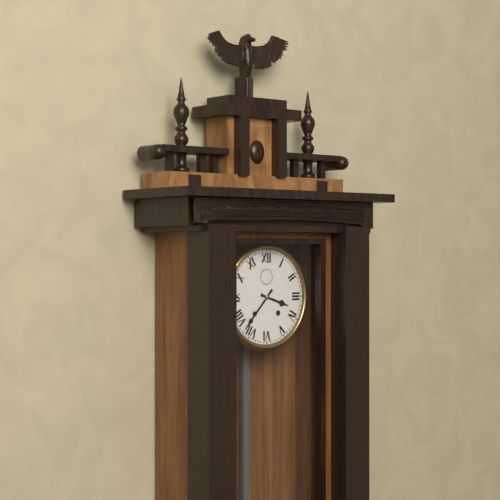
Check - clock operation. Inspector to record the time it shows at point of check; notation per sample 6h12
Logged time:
3h37
